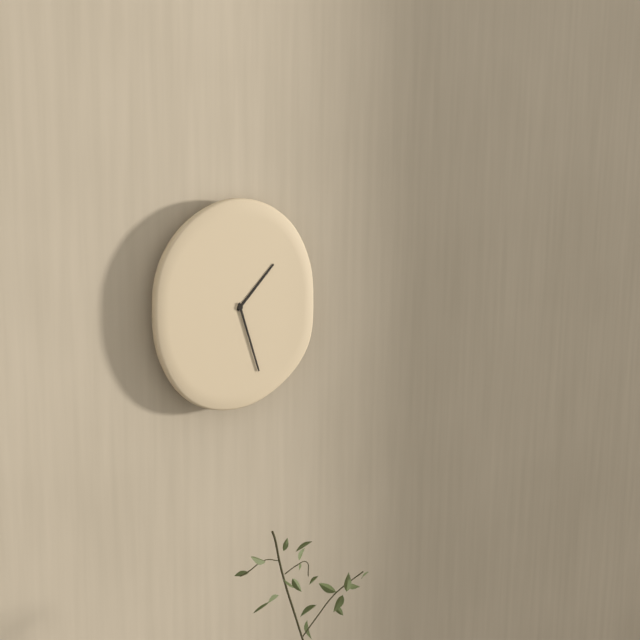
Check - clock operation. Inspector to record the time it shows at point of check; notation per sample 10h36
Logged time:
1h27
